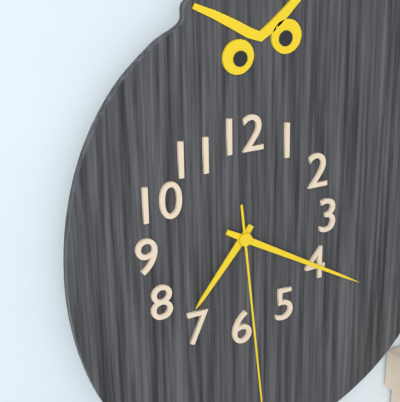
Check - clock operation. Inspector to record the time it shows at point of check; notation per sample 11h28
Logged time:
7h20
